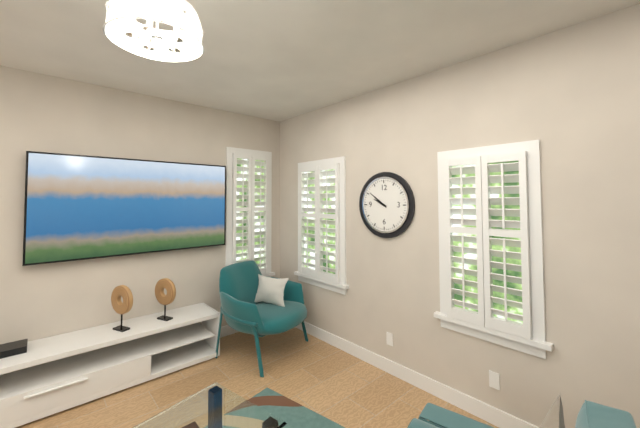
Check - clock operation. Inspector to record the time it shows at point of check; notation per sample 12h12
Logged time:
9h51
